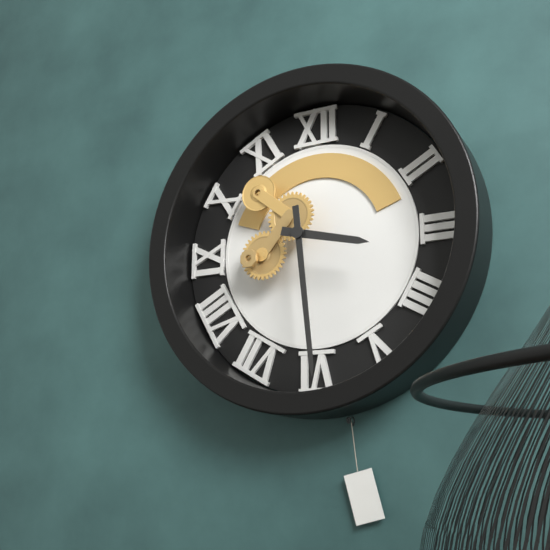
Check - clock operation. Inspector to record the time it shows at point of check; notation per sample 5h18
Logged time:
3h29
